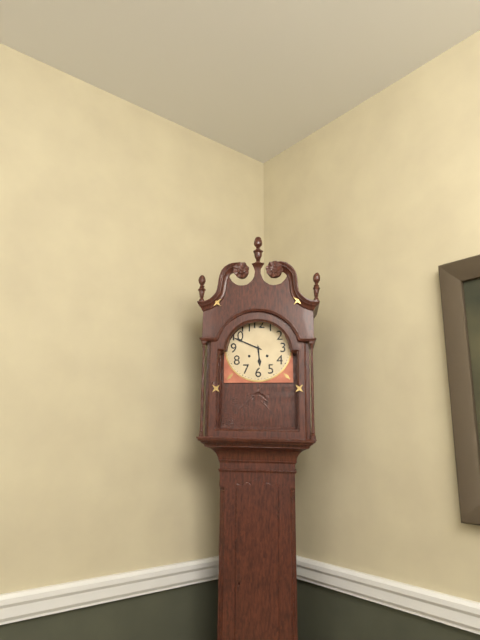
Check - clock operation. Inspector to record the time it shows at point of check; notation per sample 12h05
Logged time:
5h49
